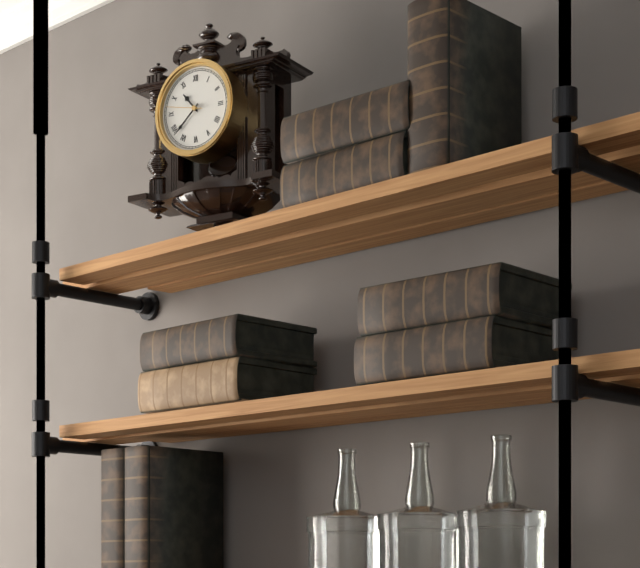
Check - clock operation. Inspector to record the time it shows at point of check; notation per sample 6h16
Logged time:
10h38
